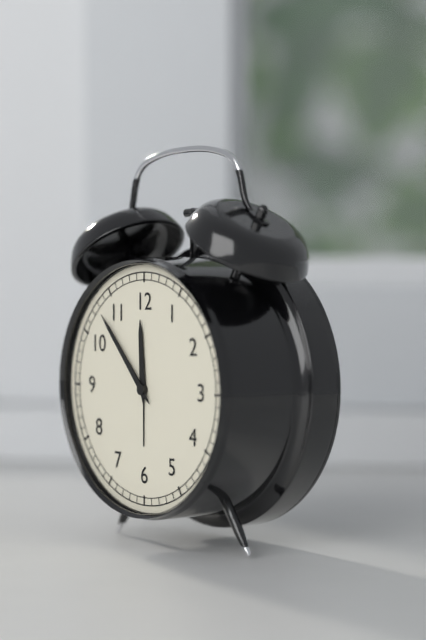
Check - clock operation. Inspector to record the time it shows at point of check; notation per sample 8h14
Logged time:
11h53
